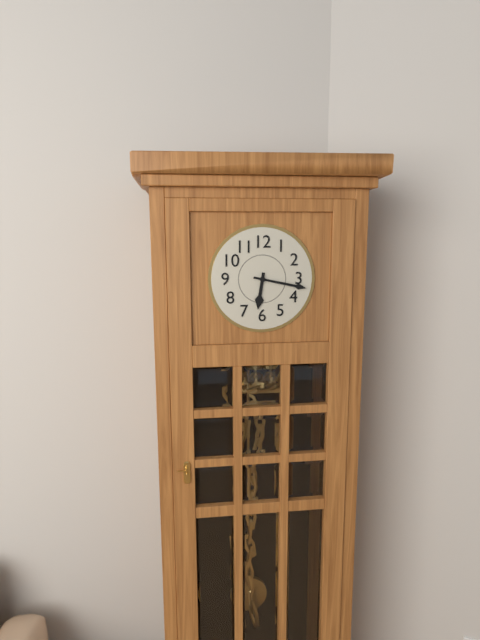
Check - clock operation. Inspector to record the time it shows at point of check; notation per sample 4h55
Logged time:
6h17
